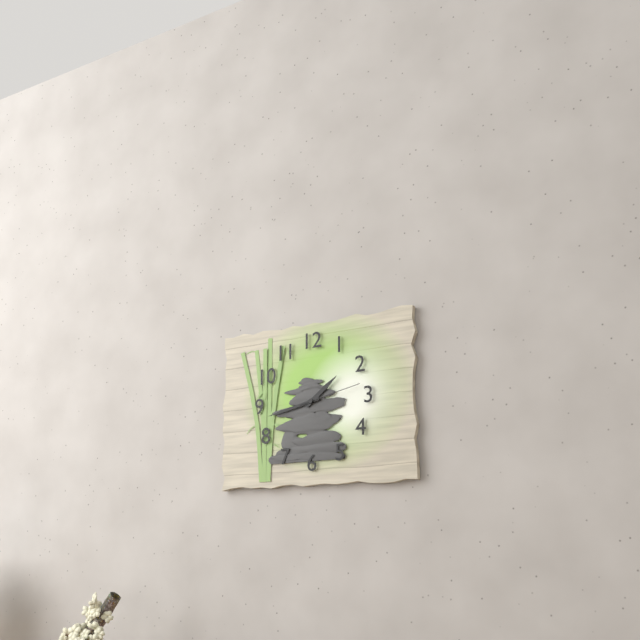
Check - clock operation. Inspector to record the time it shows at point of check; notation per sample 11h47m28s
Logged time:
1h43m13s
